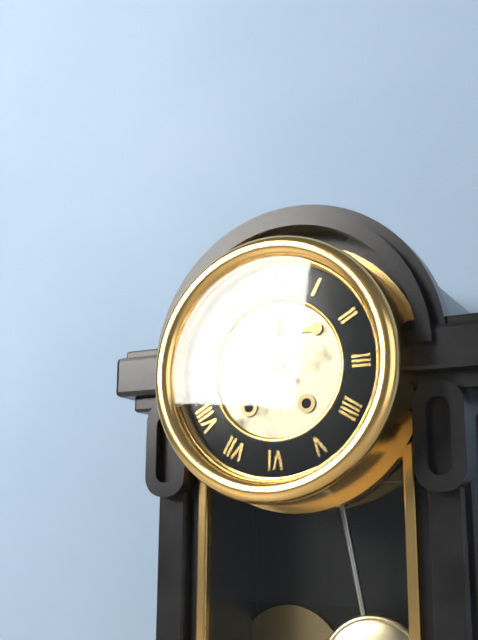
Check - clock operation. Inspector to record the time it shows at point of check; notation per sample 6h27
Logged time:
11h51
